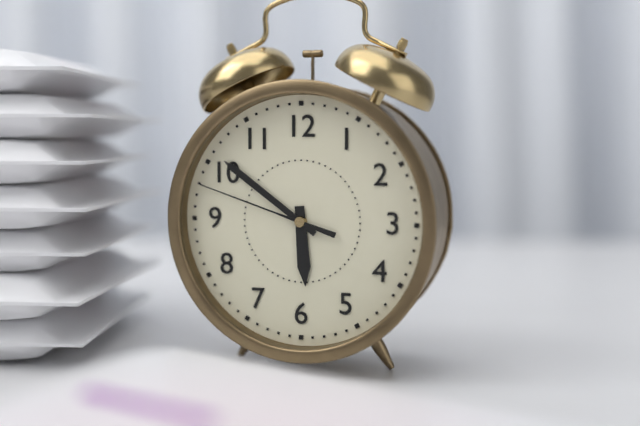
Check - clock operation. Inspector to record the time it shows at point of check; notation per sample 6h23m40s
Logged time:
5h51m48s
